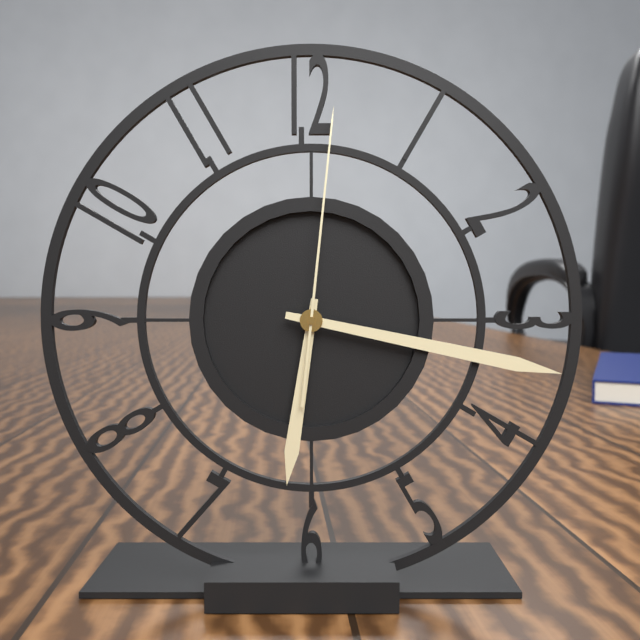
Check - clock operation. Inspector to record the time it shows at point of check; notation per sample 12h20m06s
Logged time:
6h17m01s
